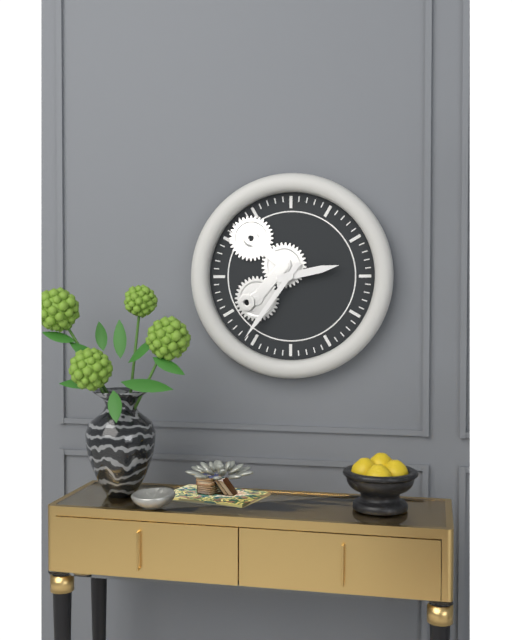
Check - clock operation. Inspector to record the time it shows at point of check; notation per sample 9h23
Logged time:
2h36
